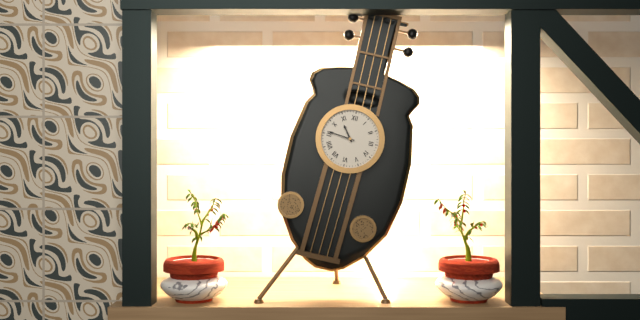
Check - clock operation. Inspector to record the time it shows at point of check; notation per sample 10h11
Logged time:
10h46
